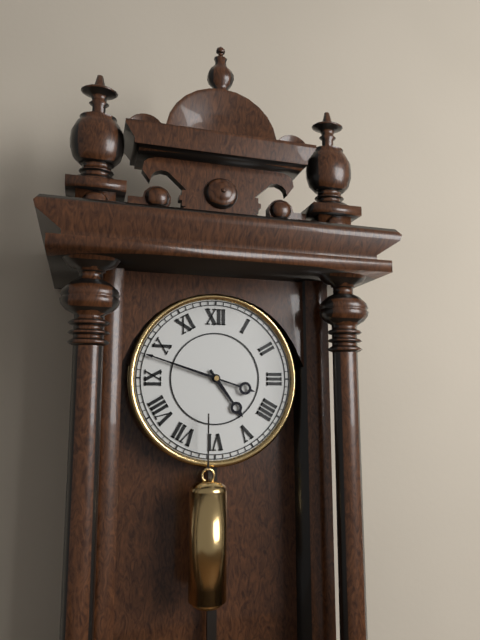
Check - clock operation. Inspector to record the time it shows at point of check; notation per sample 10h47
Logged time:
4h48
